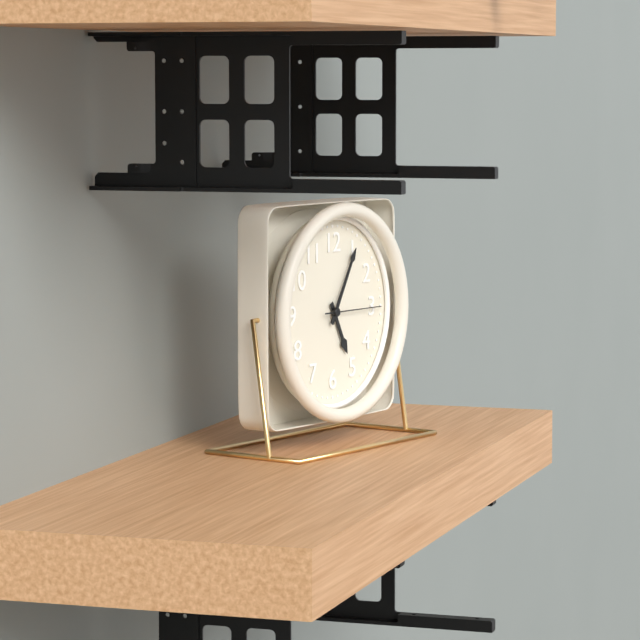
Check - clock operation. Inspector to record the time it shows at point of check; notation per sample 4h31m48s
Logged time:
5h05m15s
